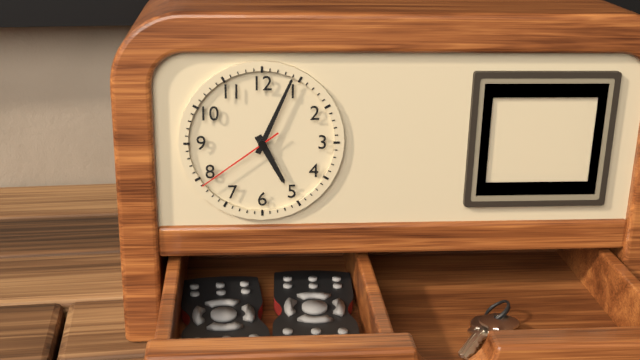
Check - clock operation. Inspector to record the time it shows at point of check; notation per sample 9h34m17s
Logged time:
5h04m39s
